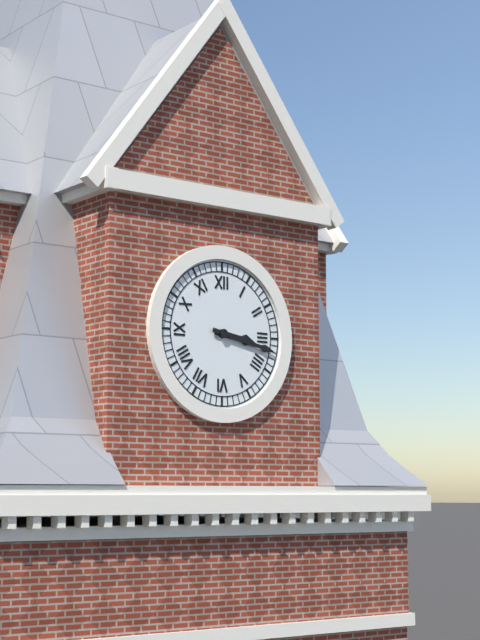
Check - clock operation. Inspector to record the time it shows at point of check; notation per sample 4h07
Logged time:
3h17
